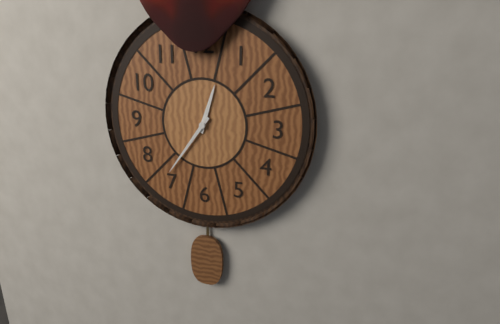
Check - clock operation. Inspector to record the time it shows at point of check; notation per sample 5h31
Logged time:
12h36
